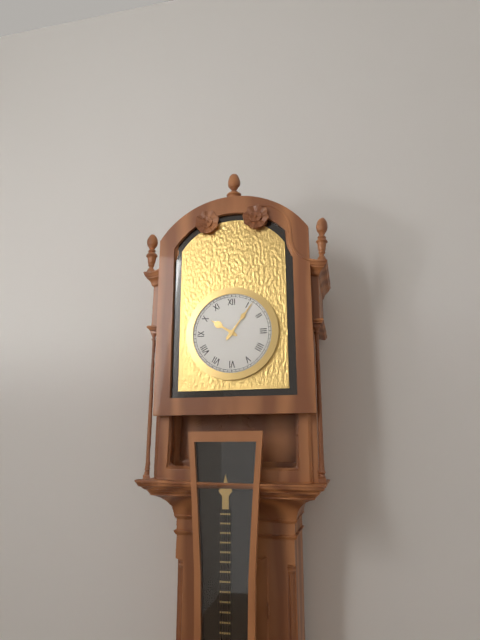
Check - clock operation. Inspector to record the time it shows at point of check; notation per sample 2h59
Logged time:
10h06
